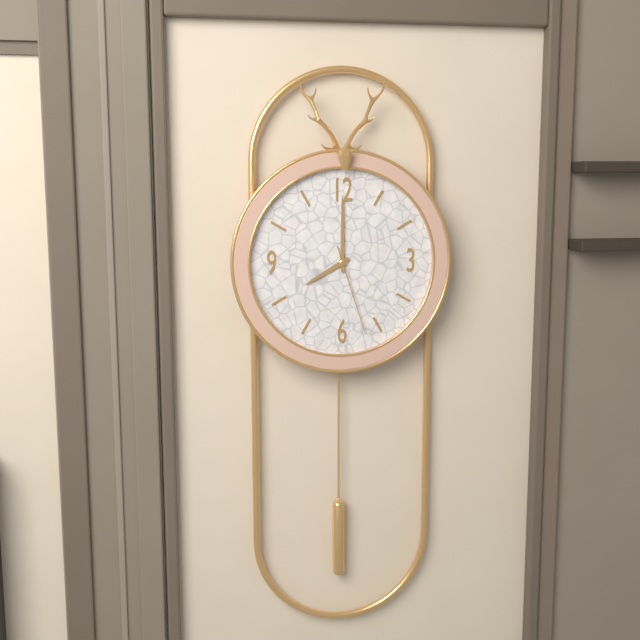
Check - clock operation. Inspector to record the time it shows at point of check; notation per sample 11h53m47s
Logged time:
8h00m27s
